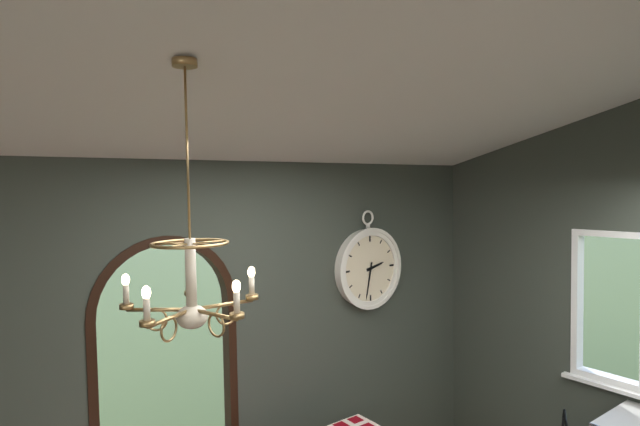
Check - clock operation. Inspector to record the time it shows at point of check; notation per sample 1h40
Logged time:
2h32
